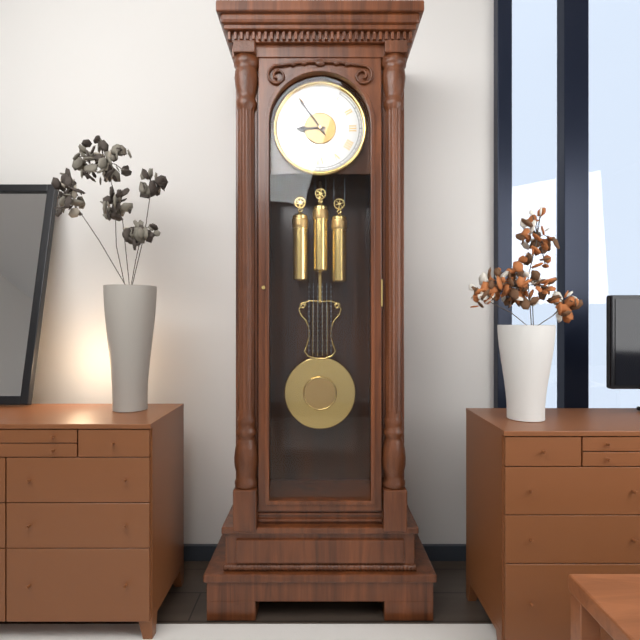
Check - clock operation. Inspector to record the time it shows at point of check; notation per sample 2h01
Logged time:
8h54
